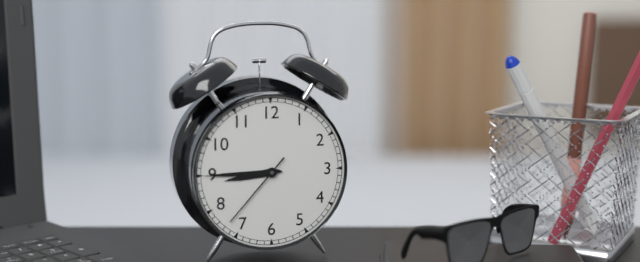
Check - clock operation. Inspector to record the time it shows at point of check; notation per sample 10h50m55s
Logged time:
8h45m37s
